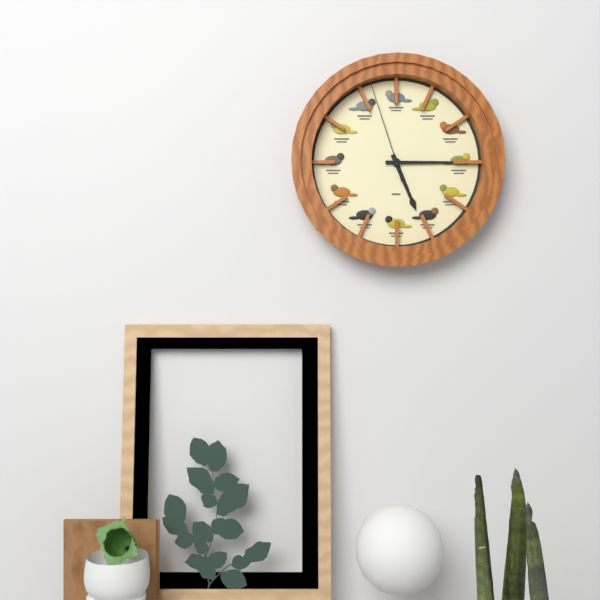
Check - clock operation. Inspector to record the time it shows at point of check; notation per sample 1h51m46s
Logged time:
5h15m57s
